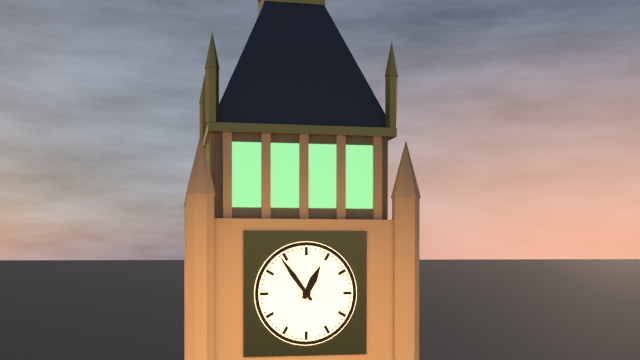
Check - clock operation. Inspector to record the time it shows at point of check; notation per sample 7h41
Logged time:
12h54
